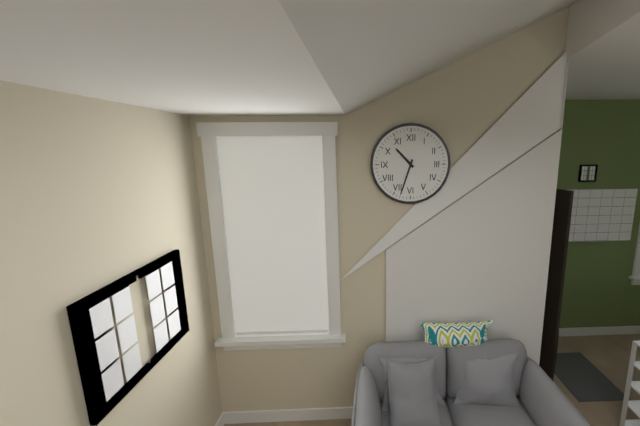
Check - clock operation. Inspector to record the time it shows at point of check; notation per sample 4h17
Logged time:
10h33
